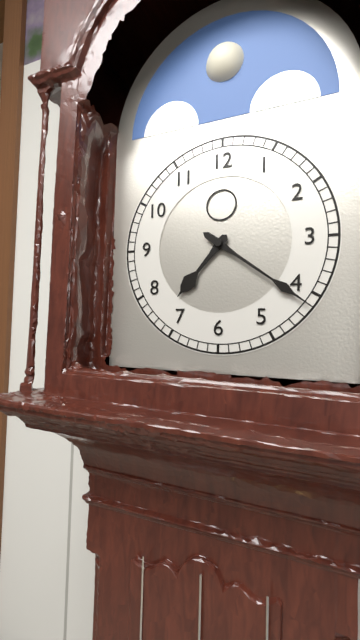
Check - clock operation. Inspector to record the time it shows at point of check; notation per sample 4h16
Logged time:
7h21
